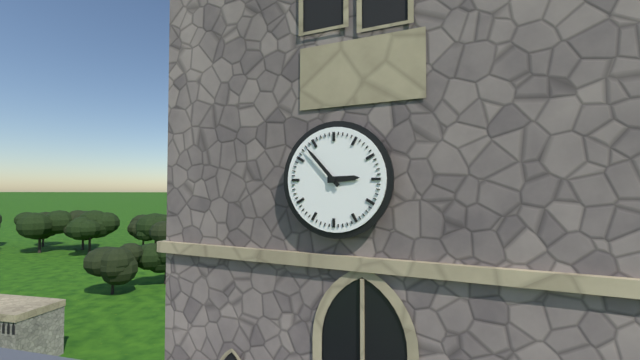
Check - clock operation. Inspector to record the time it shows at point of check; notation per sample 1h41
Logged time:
2h53
